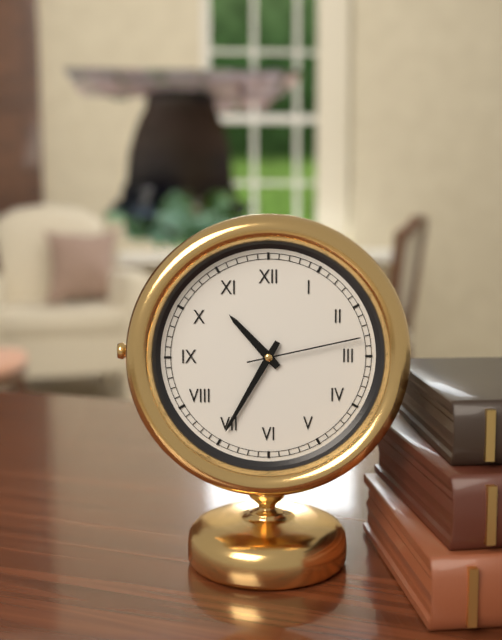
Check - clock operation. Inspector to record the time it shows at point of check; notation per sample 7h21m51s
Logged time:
10h35m13s
